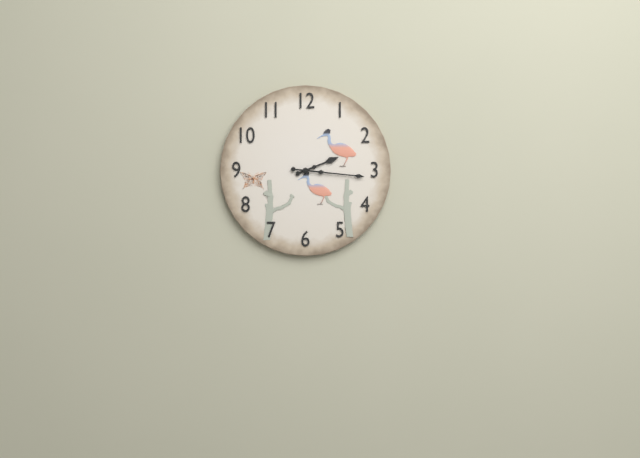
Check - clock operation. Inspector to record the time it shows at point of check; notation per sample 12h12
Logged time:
2h16
